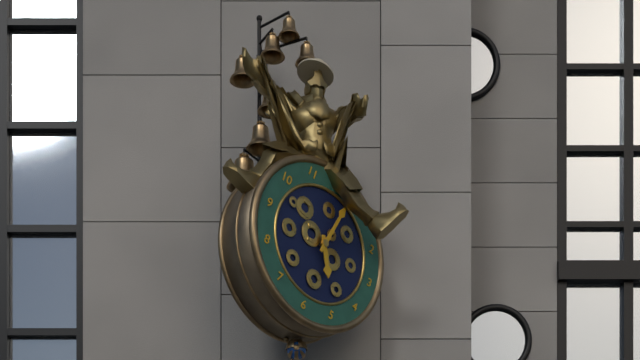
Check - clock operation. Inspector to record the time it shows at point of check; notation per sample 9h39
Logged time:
5h02
